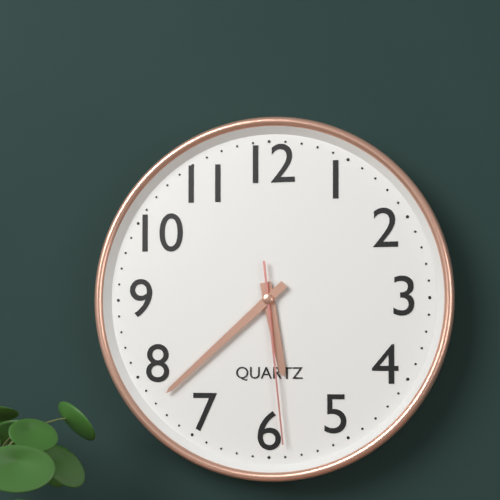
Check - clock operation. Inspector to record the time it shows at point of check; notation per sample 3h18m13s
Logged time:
5h38m29s
